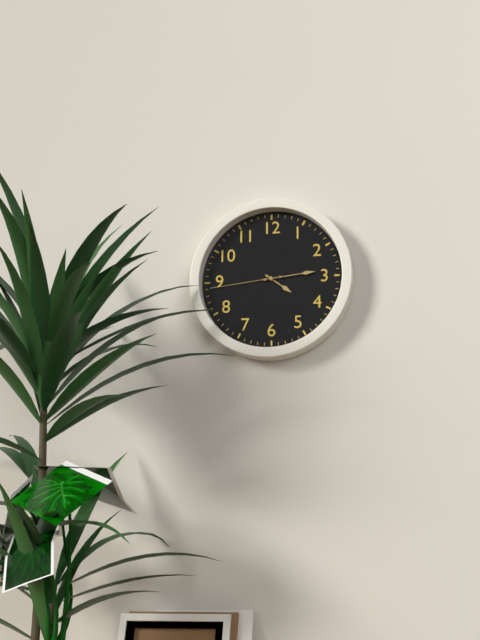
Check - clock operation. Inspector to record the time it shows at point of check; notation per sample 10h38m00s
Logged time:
4h14m44s
